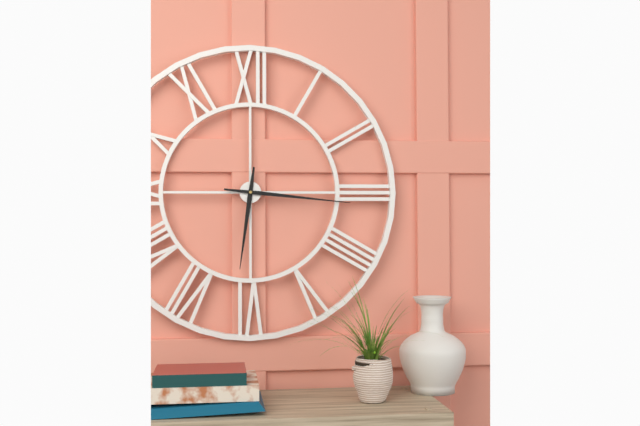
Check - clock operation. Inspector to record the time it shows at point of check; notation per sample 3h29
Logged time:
6h16
